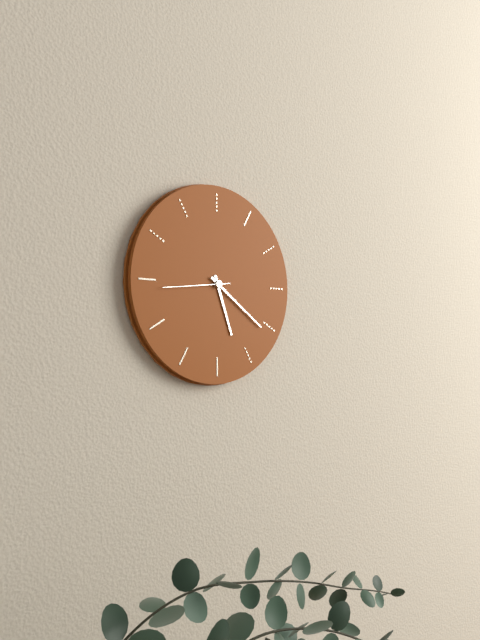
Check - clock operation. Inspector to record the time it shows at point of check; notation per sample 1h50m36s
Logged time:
5h21m44s
